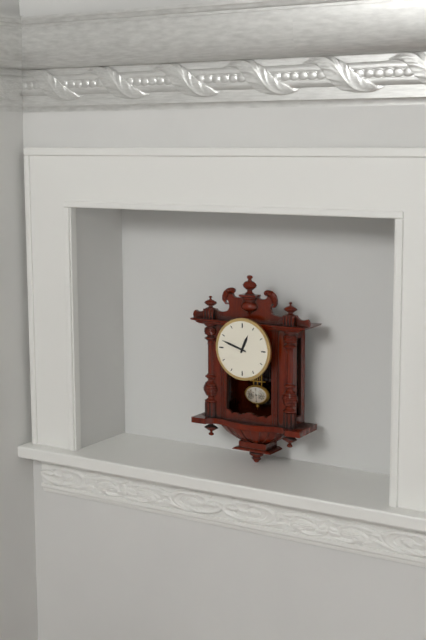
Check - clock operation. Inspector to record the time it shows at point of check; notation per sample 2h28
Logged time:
12h48
